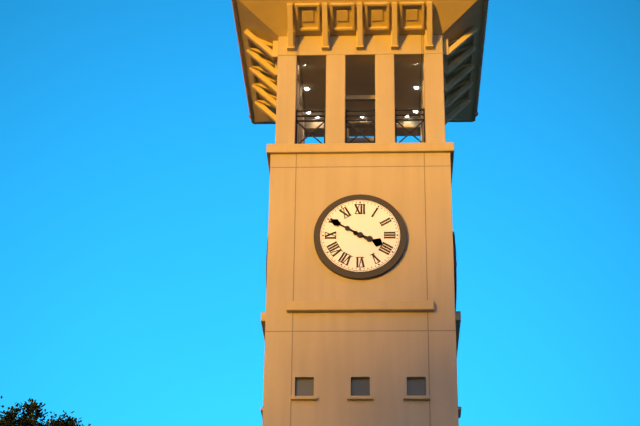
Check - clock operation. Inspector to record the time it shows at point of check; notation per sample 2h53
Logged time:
3h50
